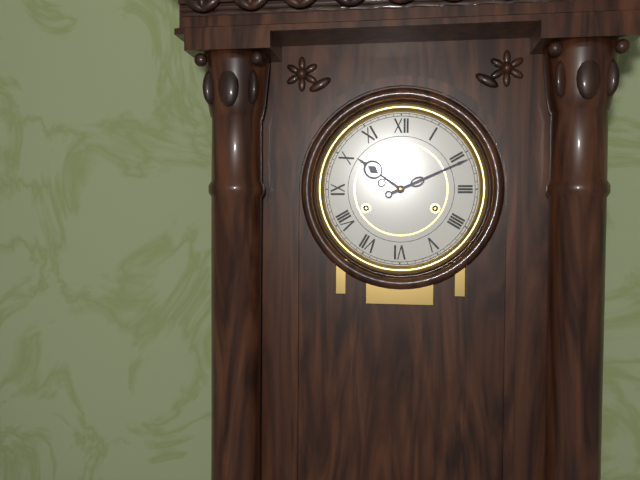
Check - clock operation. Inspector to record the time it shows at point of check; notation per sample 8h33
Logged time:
10h11
